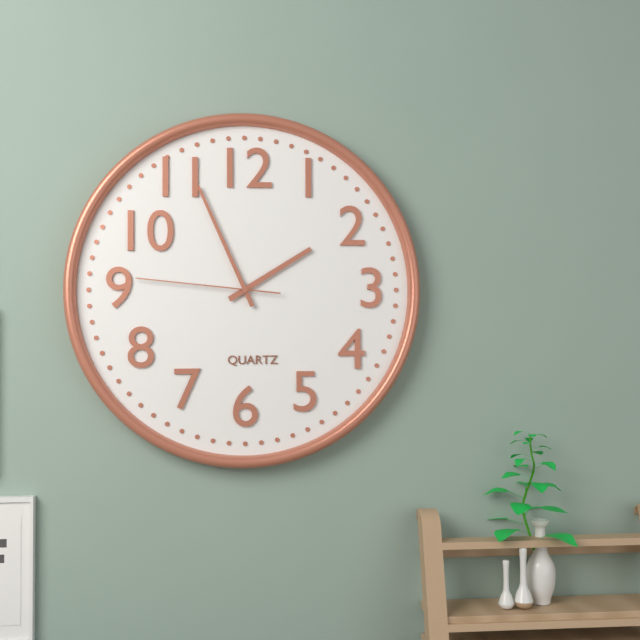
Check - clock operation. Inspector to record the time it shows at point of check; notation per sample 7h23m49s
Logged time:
1h56m46s
